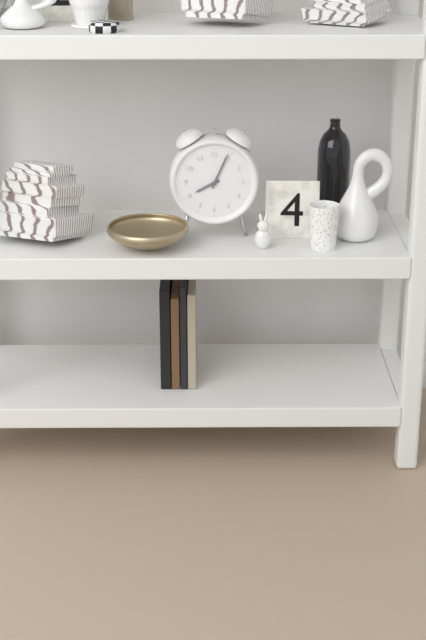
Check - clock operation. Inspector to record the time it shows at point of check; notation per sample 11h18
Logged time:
8h04
